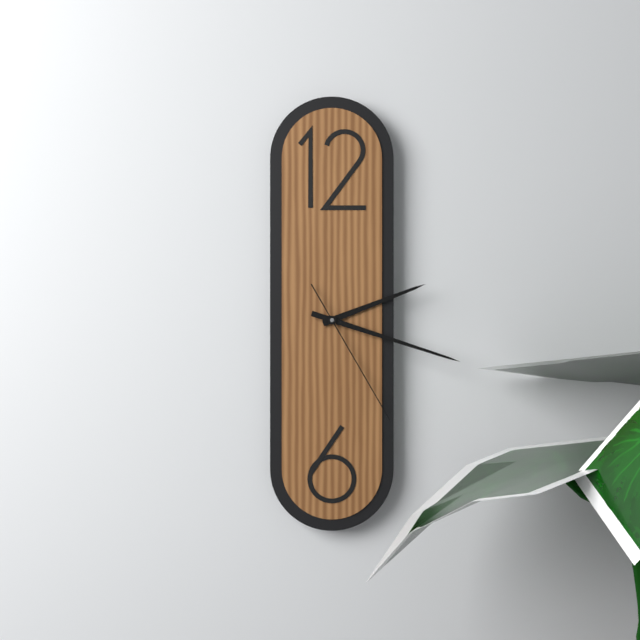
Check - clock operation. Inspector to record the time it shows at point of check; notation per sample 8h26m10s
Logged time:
2h18m25s
